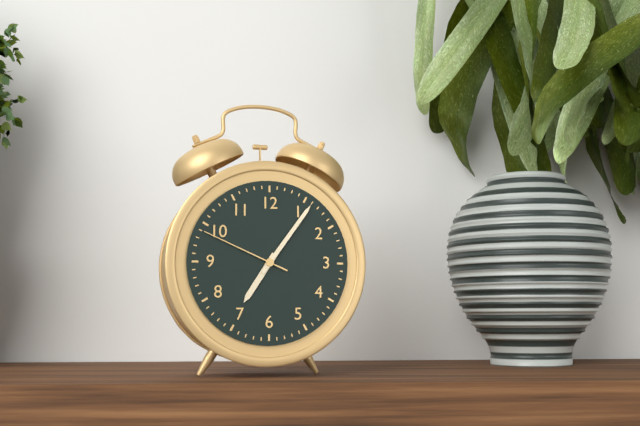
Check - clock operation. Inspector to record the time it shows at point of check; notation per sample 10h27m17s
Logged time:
7h06m49s
